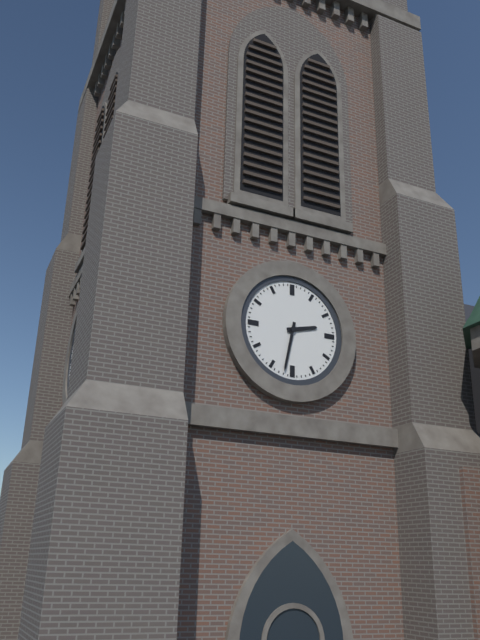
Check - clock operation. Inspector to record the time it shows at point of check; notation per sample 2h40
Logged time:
2h32
